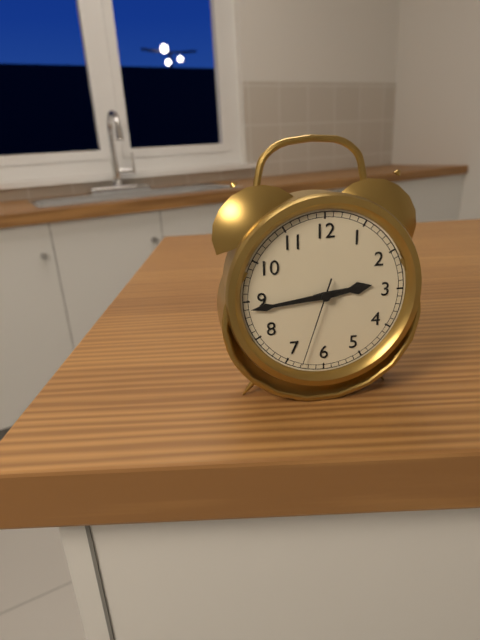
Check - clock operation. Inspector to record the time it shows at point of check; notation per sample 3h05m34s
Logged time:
2h44m33s
